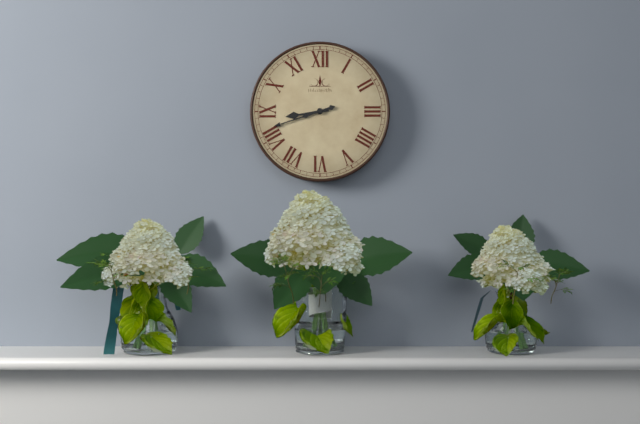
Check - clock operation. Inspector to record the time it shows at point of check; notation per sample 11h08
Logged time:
8h42
